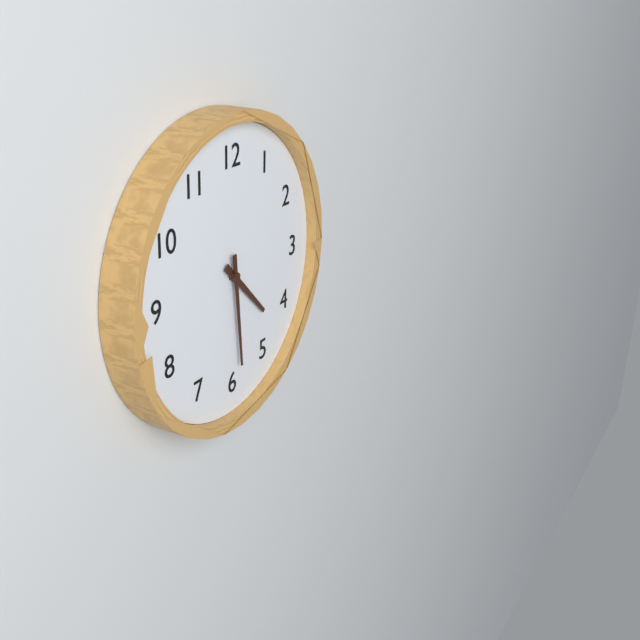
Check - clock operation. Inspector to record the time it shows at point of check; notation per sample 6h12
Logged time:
4h29
